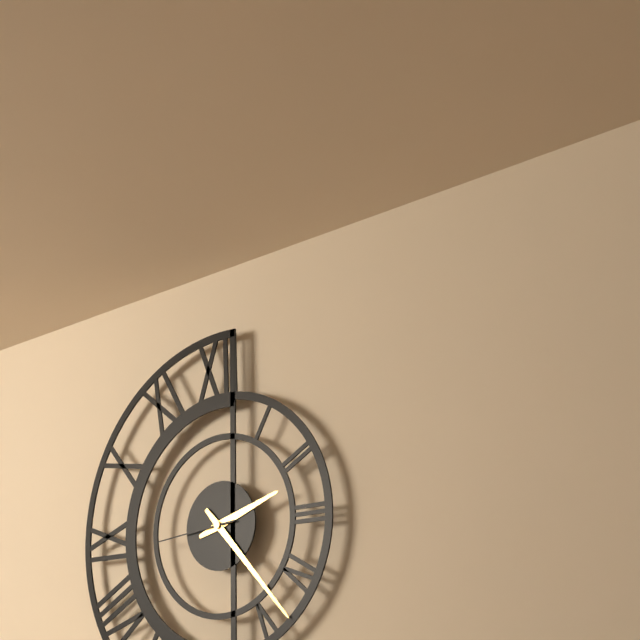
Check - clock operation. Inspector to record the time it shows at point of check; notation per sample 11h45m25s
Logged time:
2h23m44s
